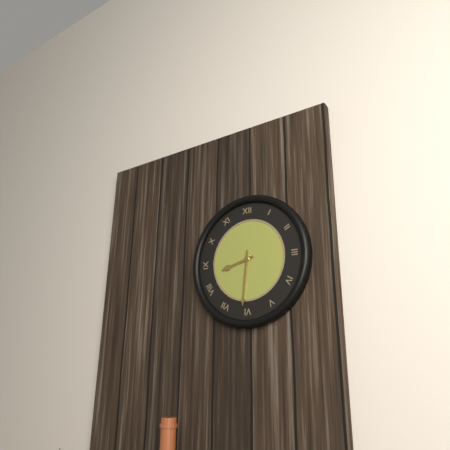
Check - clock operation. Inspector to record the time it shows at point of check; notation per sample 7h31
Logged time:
8h31
